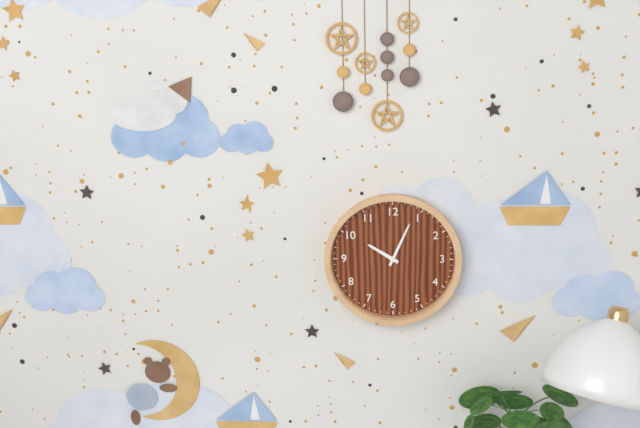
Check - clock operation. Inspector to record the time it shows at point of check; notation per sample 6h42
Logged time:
10h04
